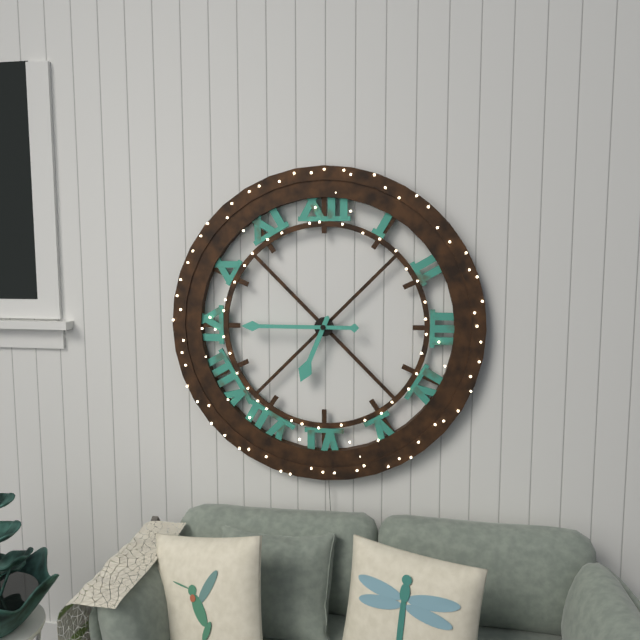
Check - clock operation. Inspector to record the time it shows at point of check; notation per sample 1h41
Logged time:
6h45
